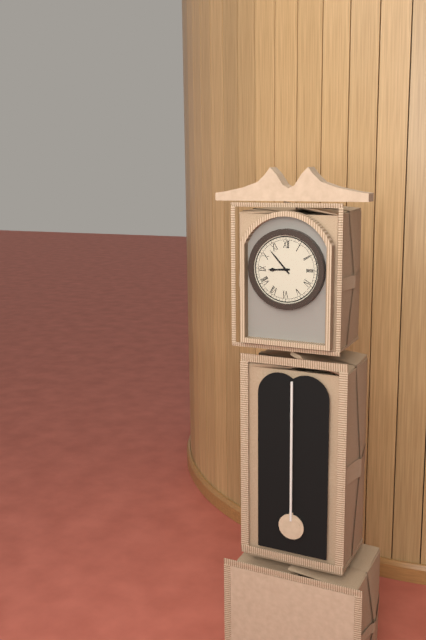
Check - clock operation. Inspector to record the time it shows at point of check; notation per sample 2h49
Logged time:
8h53
